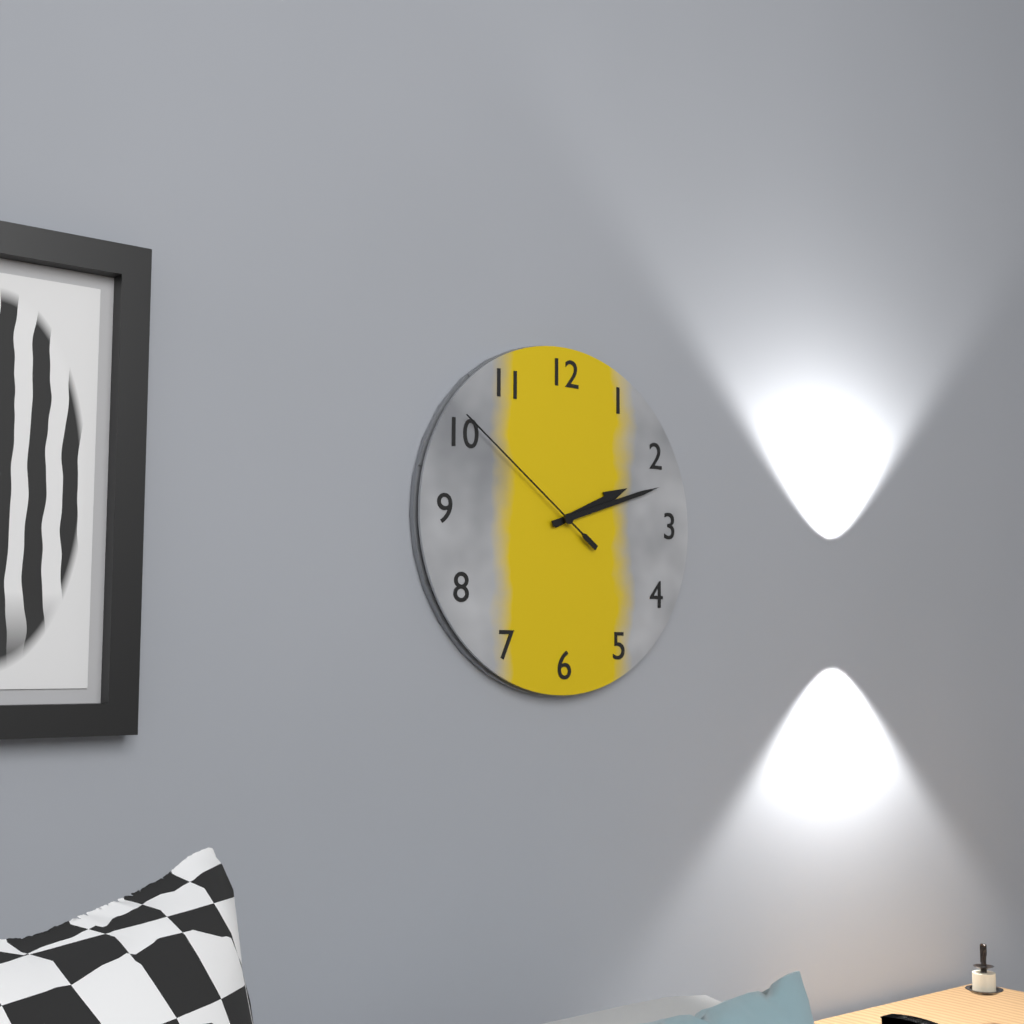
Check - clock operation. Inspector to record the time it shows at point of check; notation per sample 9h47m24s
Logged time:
2h12m51s
